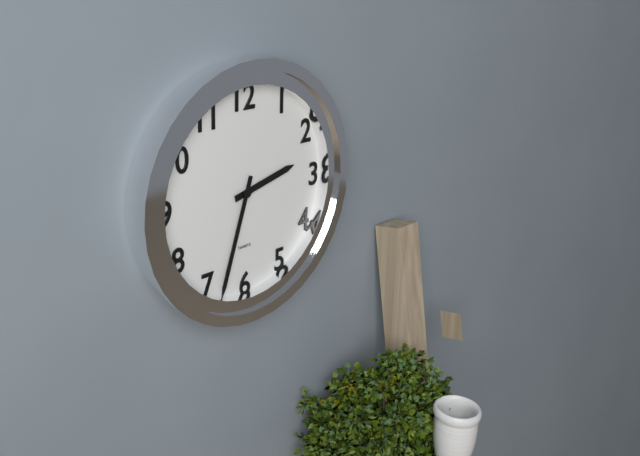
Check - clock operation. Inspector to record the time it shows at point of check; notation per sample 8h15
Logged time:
2h33
